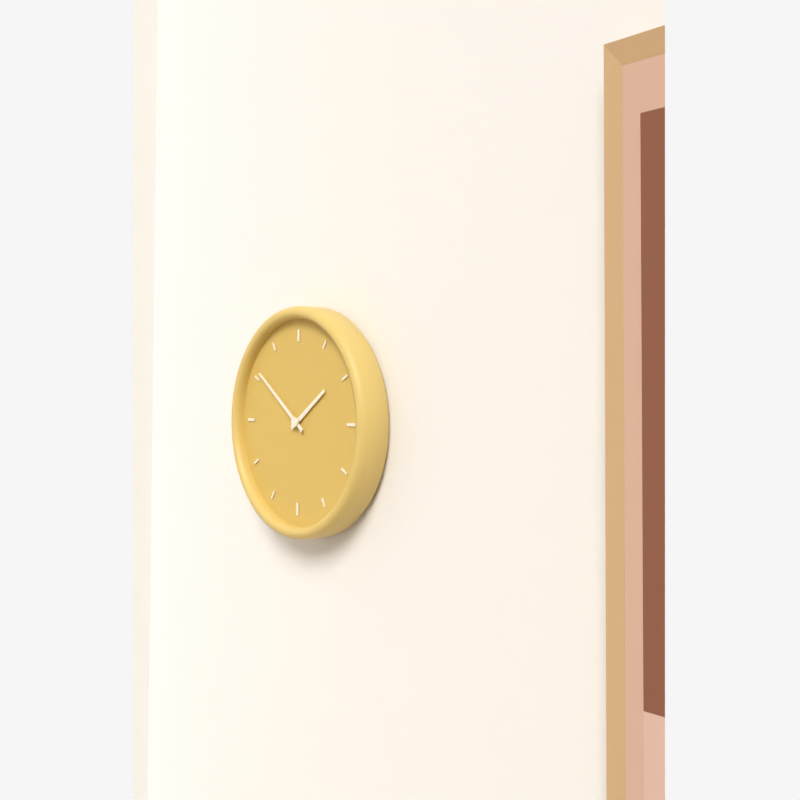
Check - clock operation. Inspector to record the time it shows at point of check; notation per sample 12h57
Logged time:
1h51
